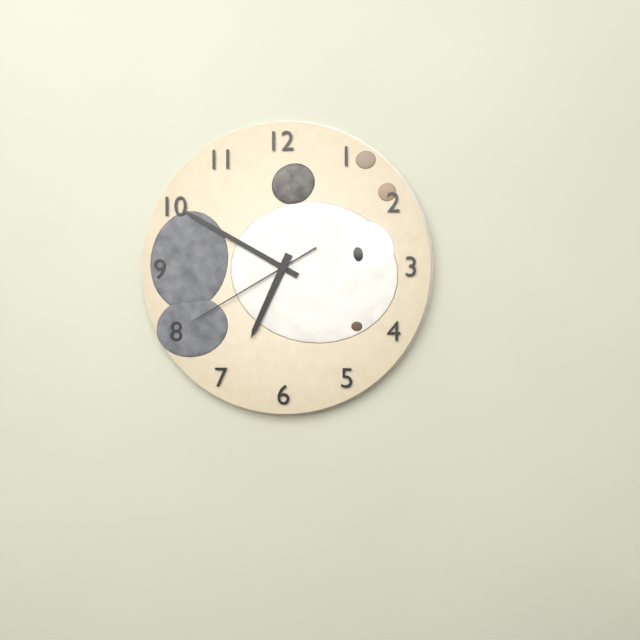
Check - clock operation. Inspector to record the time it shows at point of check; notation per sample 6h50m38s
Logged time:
6h50m40s
